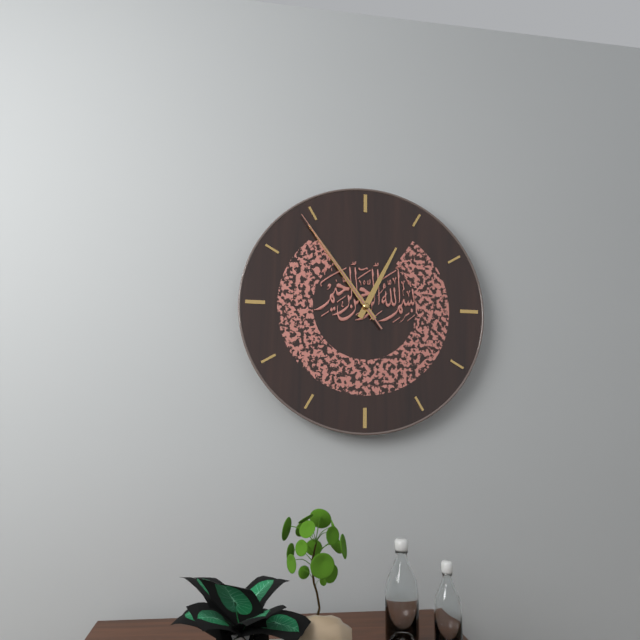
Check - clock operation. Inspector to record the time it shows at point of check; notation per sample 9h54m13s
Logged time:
12h54m54s
